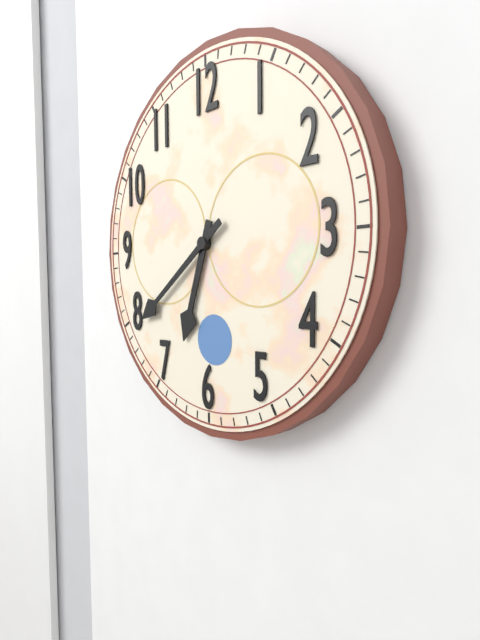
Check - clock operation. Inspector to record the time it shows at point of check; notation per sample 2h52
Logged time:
6h39
